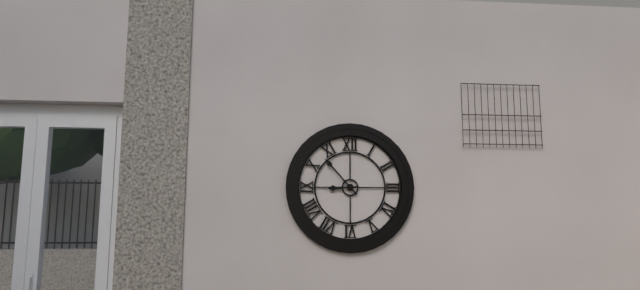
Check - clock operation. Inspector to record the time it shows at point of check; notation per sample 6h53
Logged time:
8h53
